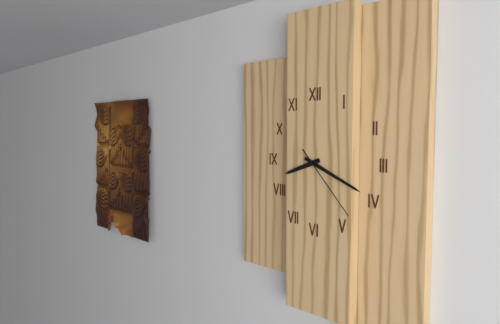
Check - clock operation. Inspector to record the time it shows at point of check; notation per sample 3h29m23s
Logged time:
8h19m23s
